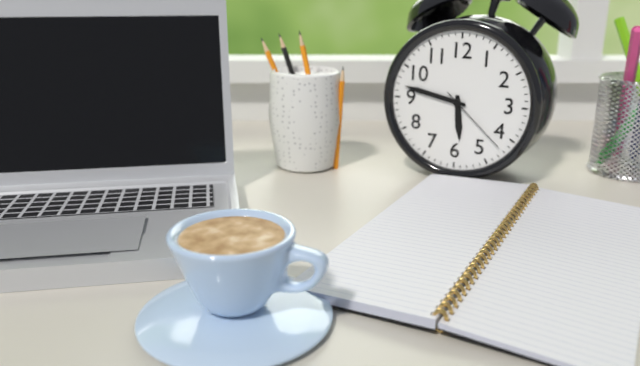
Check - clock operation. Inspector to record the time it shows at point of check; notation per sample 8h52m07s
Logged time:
5h47m22s
